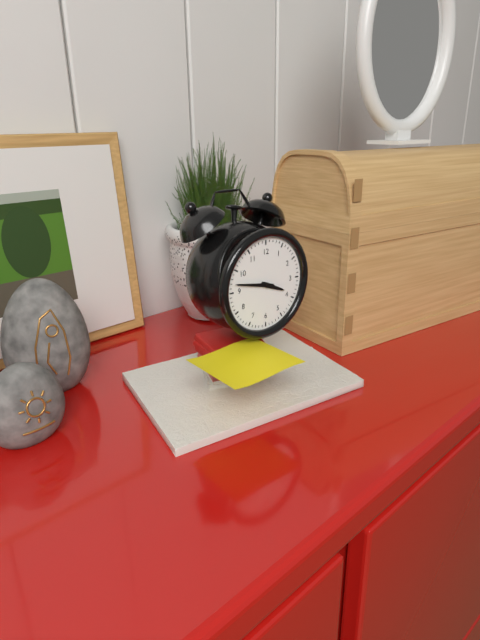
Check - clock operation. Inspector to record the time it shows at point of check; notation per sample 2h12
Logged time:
3h47
